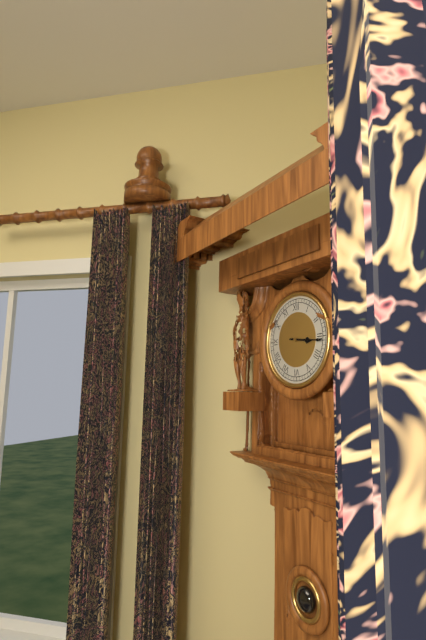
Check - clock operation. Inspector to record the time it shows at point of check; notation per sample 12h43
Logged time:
3h16
